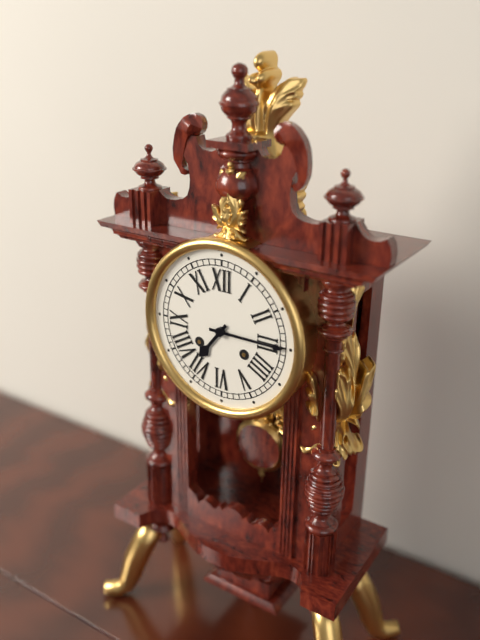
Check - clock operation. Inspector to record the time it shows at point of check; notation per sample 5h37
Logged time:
7h15
